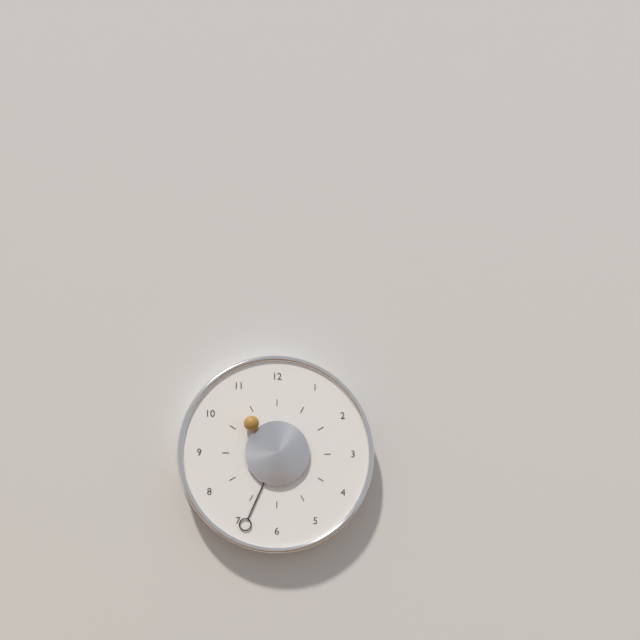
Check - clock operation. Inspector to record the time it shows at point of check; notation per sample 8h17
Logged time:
10h34
